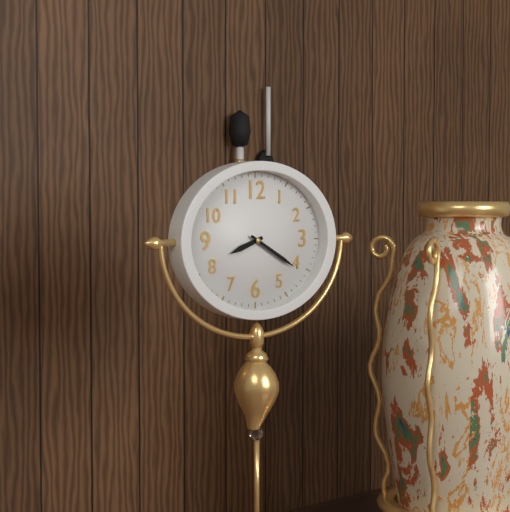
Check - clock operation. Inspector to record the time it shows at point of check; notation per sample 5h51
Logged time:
8h20
